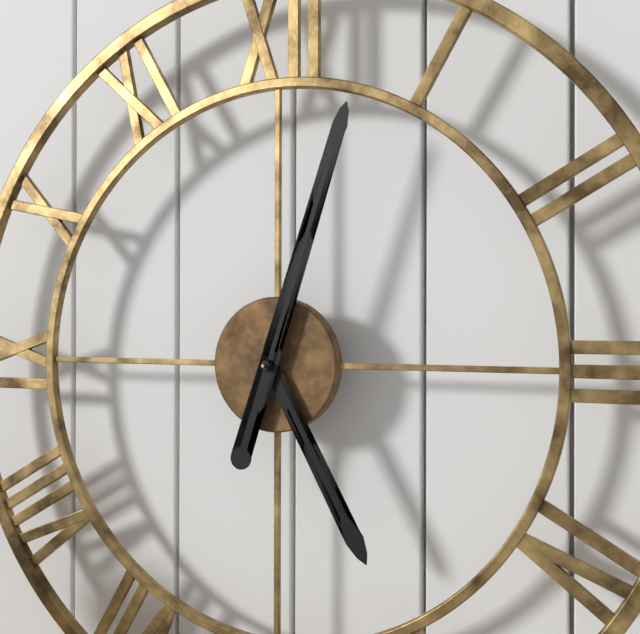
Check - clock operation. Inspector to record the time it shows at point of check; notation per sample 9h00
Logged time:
5h03
